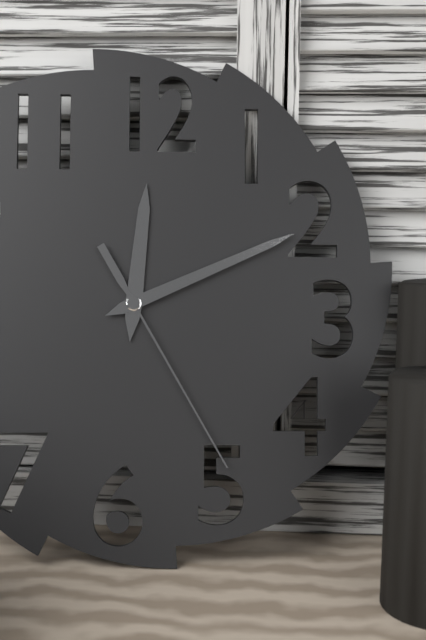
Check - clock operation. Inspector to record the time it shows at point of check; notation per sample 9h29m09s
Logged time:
12h11m25s
